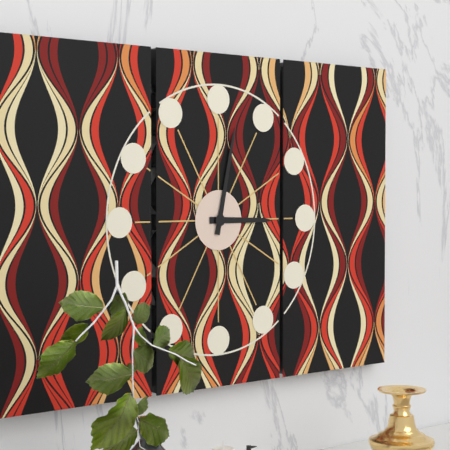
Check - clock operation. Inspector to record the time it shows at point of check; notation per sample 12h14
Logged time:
3h02
